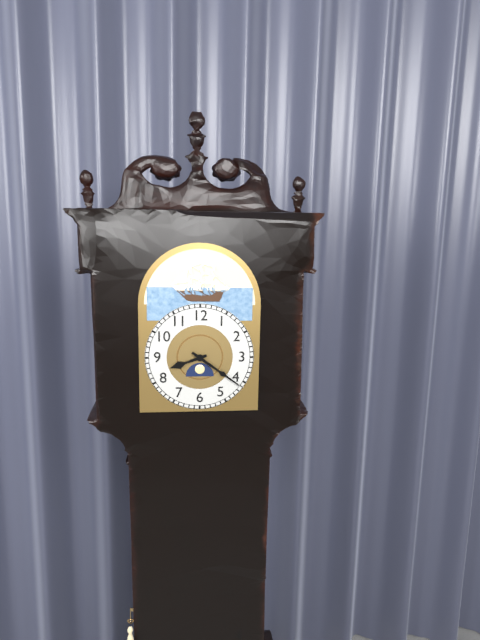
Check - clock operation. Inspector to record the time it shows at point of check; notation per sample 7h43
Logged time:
8h21
